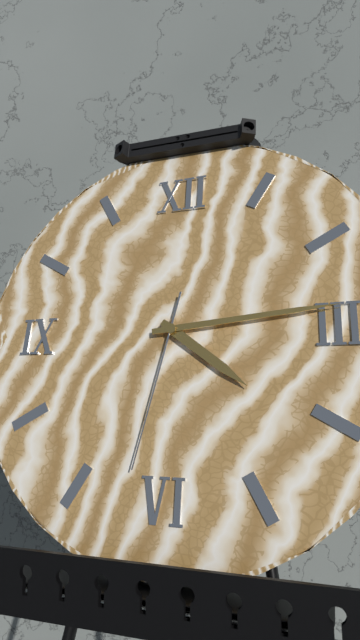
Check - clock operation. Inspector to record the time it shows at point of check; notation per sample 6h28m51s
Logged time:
4h14m32s
